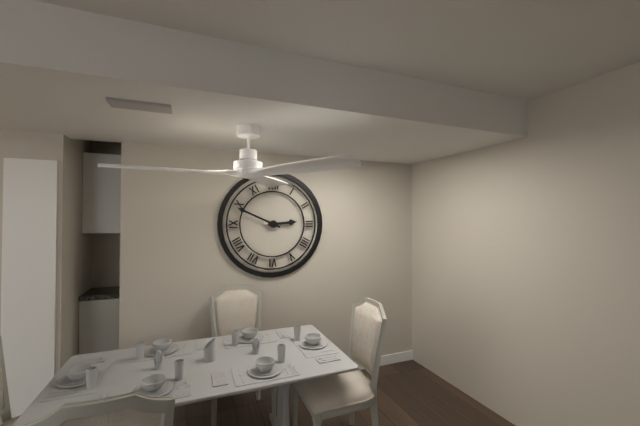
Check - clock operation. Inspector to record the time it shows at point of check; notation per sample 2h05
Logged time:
2h49
